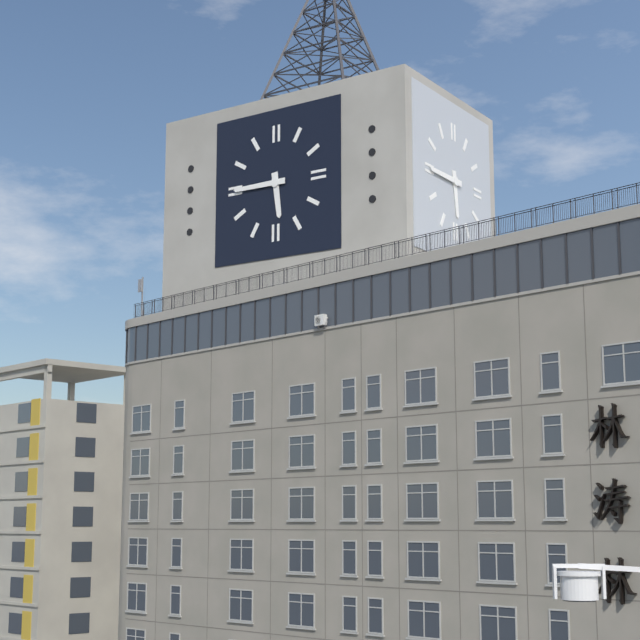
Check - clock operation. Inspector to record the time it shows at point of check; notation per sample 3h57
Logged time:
5h45
